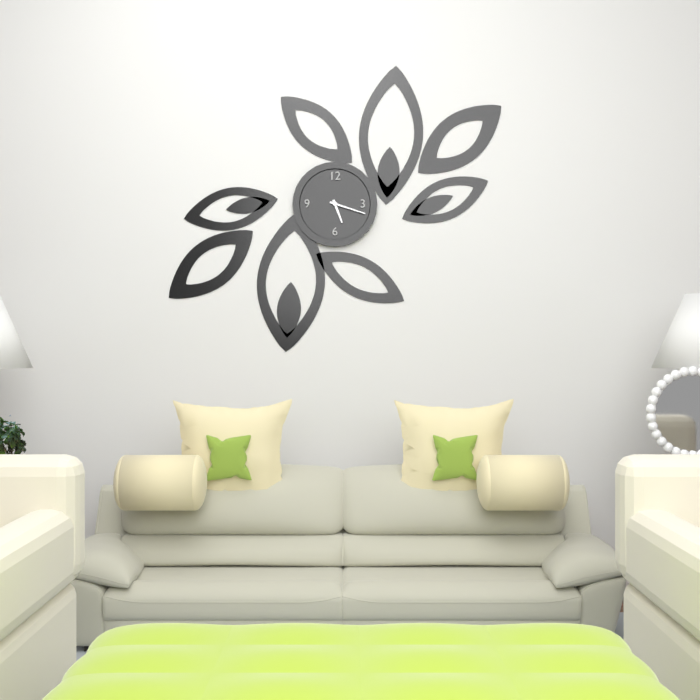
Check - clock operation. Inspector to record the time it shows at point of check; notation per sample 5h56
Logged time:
5h18
